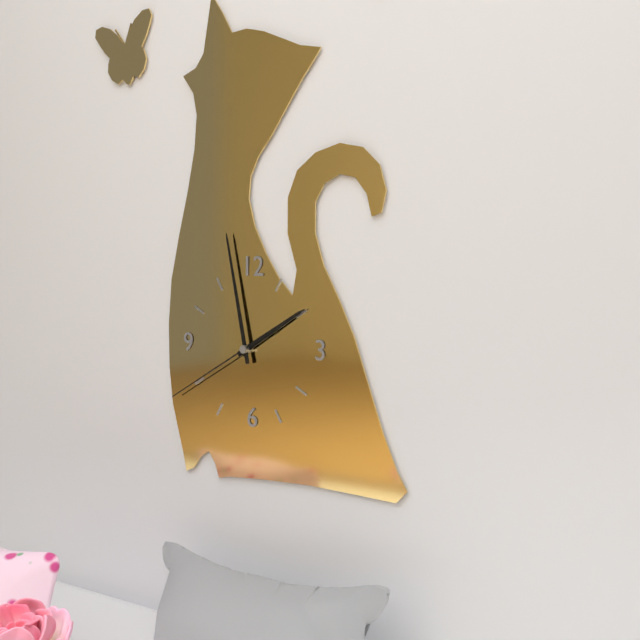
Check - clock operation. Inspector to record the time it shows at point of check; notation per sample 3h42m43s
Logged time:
1h58m40s
